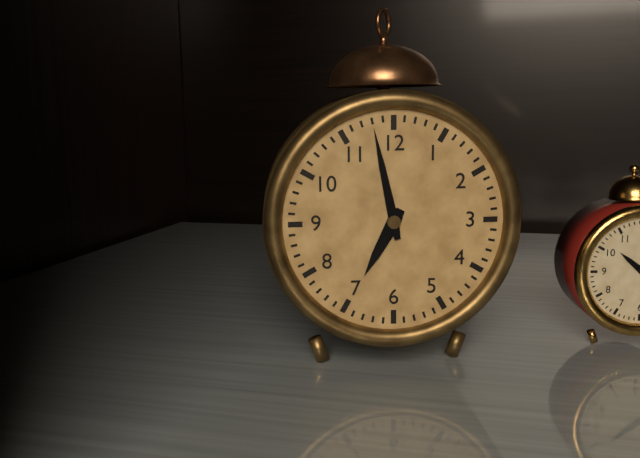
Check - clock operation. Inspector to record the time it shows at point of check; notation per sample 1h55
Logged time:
6h58
